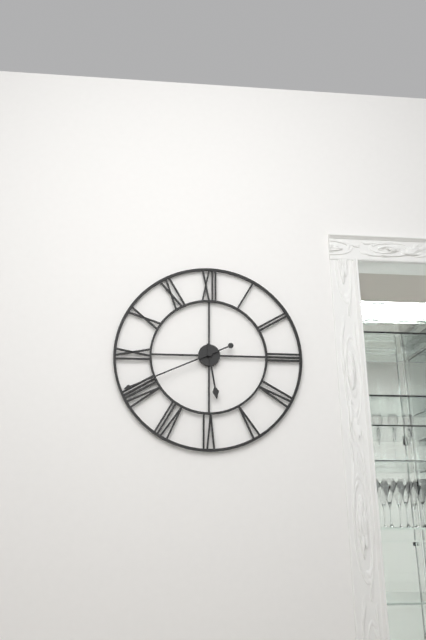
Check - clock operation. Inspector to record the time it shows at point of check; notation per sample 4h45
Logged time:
5h41
